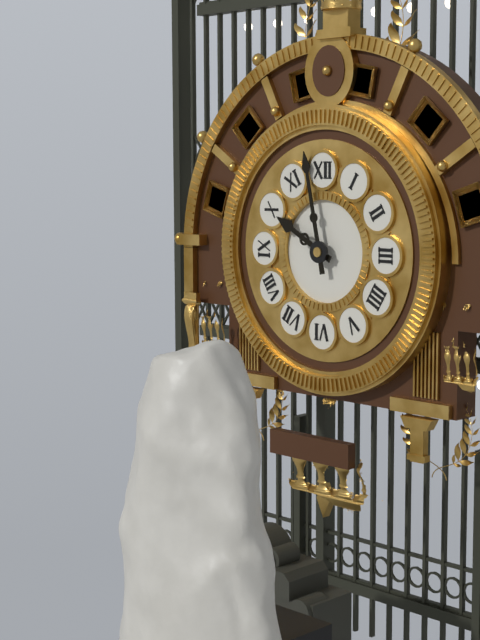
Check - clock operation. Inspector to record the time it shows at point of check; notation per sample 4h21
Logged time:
9h58
